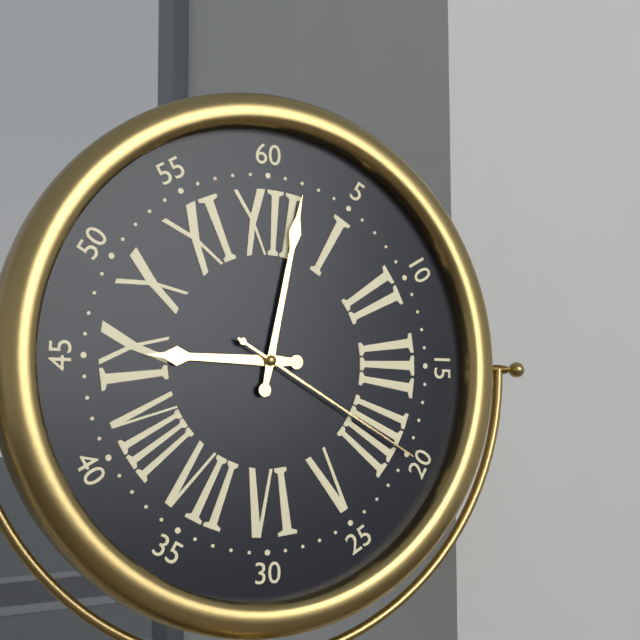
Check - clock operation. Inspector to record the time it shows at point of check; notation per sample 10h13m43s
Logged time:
9h02m20s
